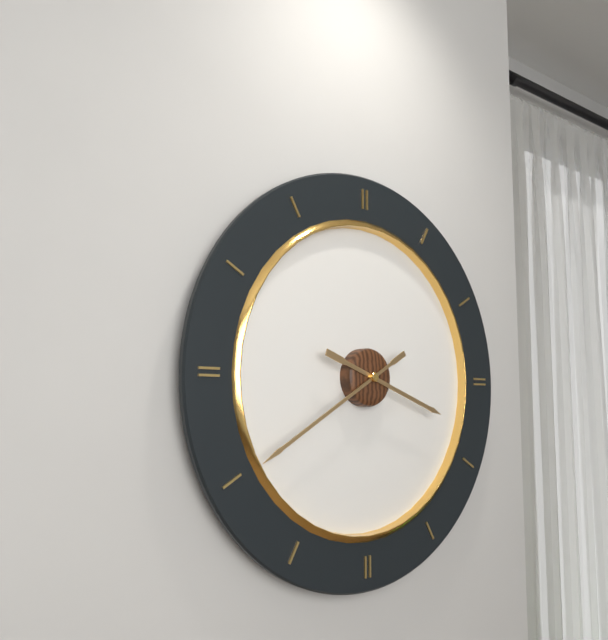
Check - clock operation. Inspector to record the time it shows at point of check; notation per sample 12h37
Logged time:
3h40
